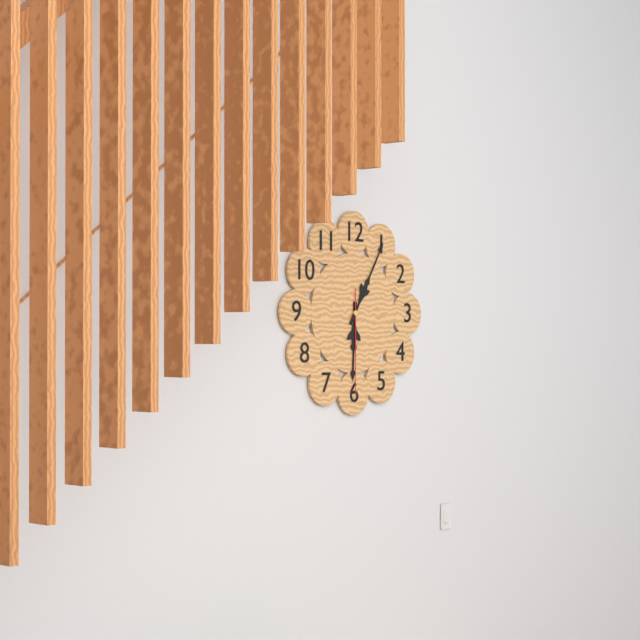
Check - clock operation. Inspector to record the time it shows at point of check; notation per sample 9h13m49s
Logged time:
6h05m30s
